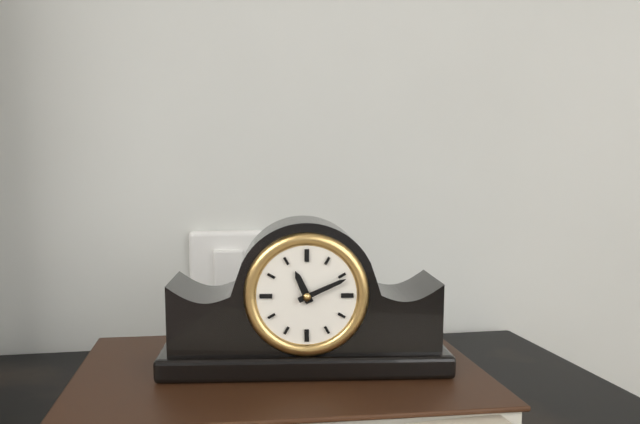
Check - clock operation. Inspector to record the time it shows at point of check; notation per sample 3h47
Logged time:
11h11
